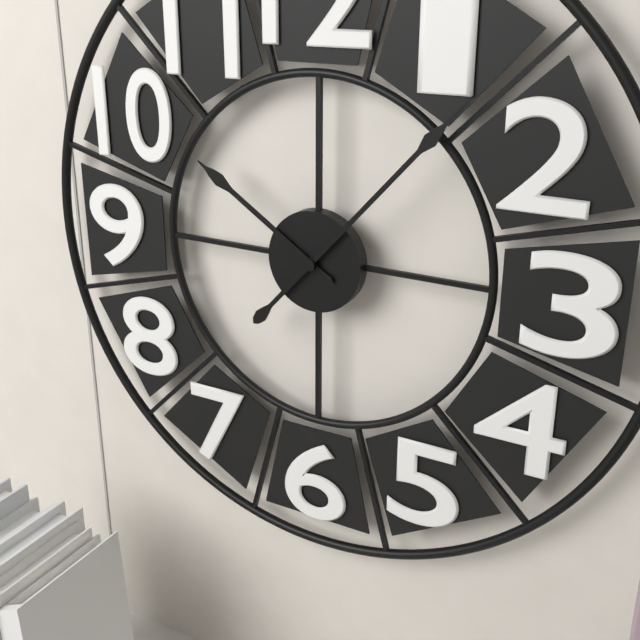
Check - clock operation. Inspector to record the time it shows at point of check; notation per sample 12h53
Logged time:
10h07
